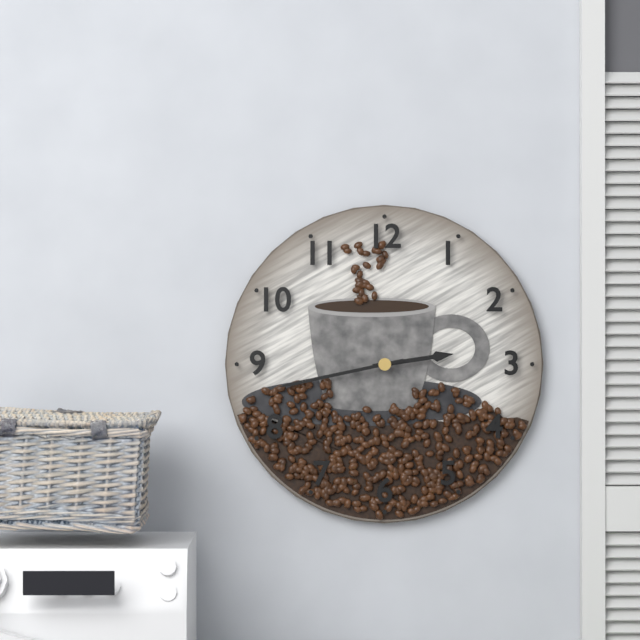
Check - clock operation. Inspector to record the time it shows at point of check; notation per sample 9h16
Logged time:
2h43
